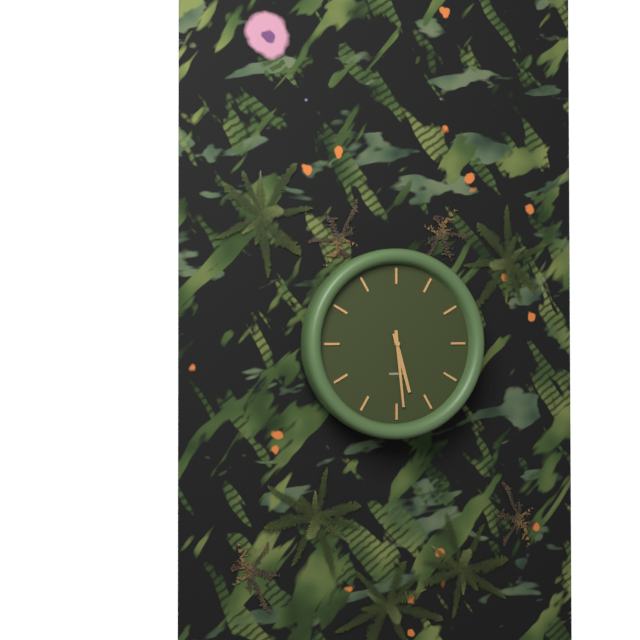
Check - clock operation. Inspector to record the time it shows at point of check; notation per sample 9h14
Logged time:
5h29
